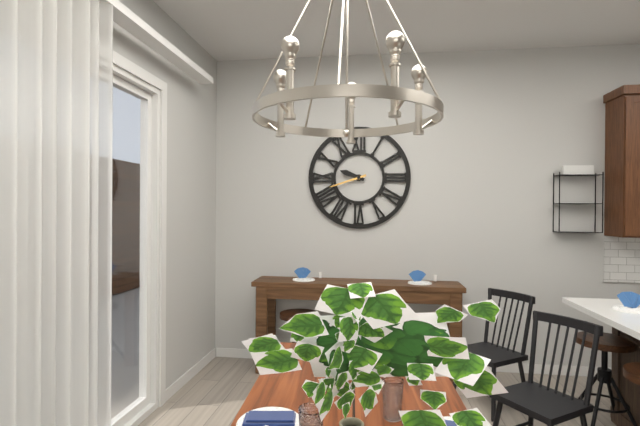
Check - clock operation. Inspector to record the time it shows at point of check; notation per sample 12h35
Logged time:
9h42
